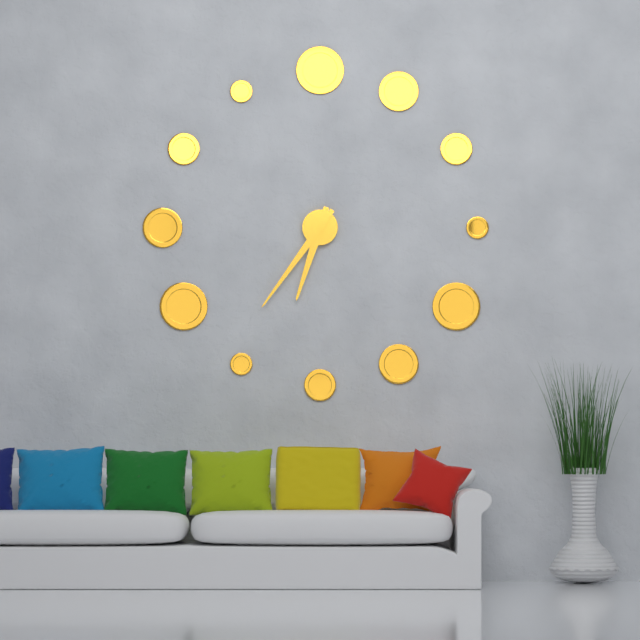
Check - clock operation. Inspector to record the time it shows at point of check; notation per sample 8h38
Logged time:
6h36
